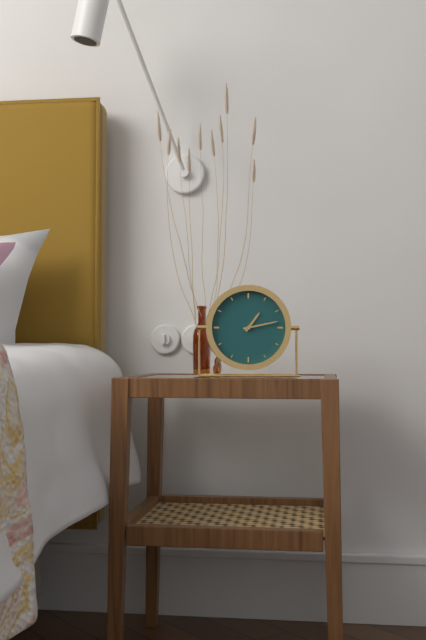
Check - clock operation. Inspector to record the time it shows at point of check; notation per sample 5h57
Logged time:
1h13
